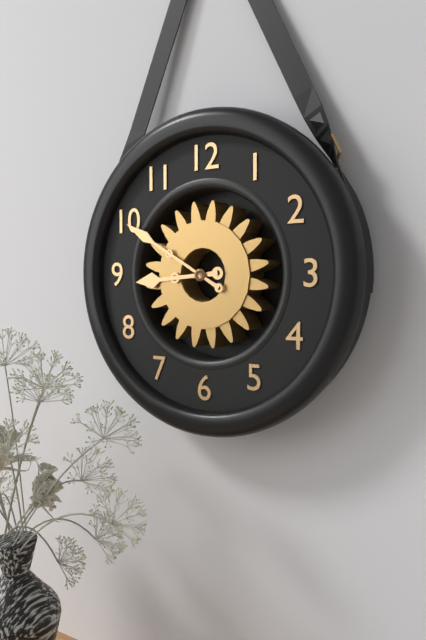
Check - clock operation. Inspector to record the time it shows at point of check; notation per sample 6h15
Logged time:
8h50
